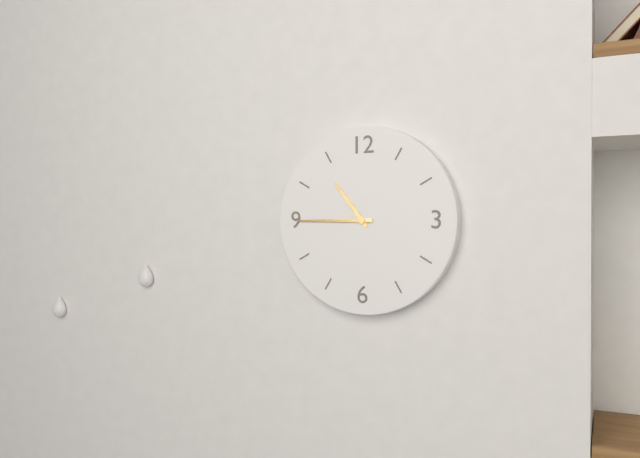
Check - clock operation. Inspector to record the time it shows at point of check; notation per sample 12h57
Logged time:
10h45
